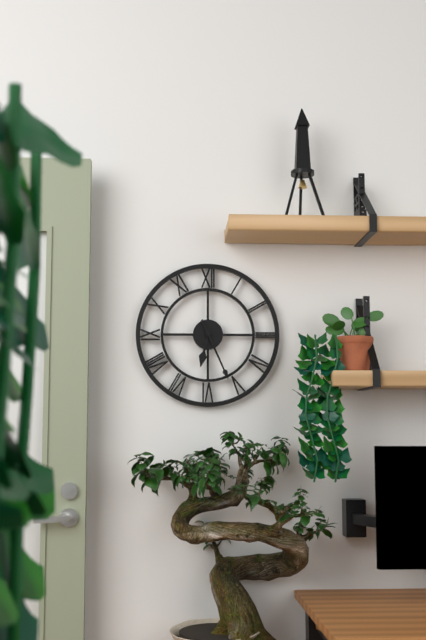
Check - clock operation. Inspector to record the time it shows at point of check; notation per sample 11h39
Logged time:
6h26
